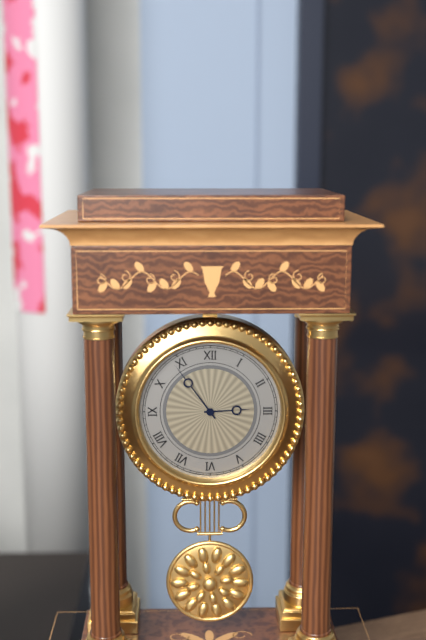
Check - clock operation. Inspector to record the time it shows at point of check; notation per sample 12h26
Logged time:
2h54
